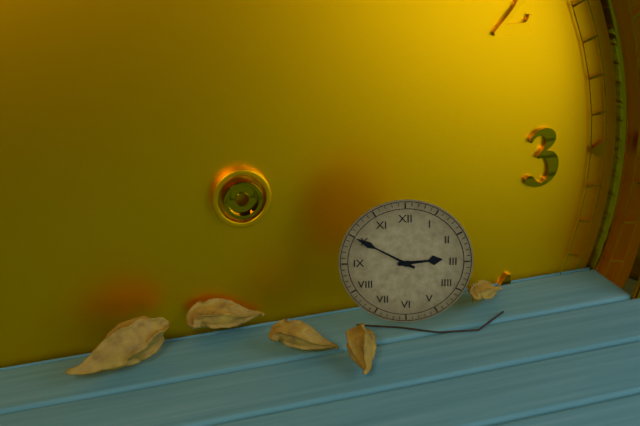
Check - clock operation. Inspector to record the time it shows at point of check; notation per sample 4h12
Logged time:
2h50
